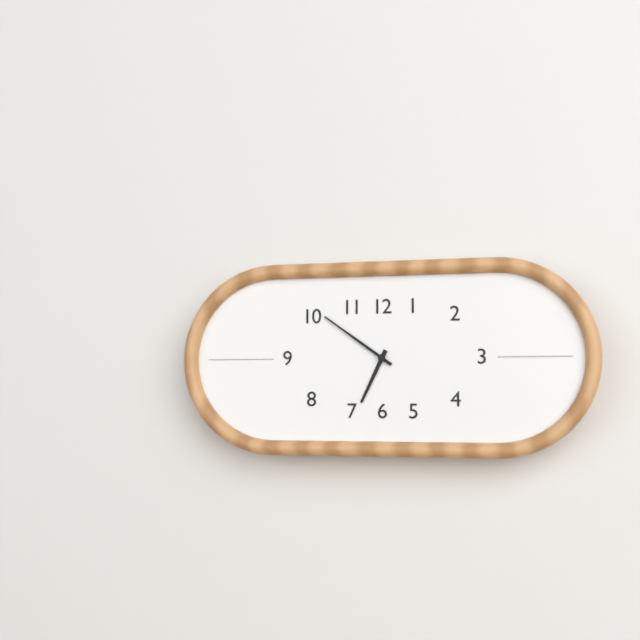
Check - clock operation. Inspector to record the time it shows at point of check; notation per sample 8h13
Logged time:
6h51
